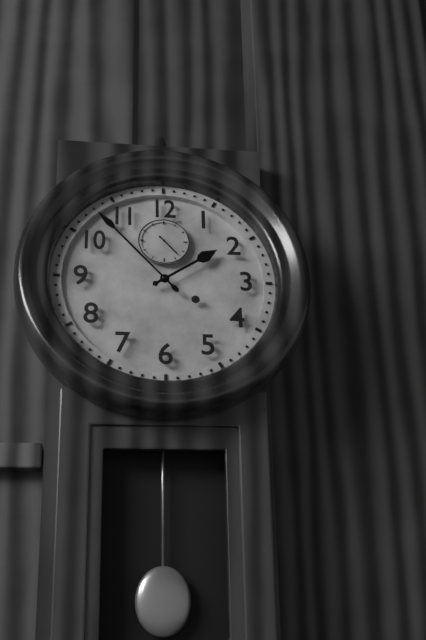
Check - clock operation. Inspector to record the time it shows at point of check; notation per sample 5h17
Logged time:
1h53
